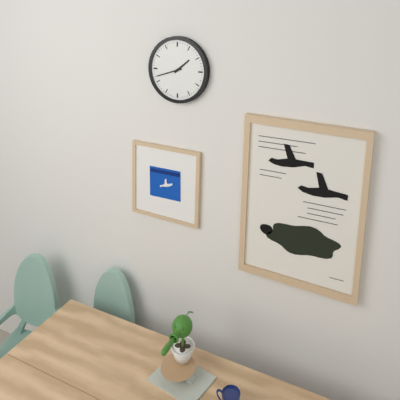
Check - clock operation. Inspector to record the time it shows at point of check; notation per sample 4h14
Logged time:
1h42
